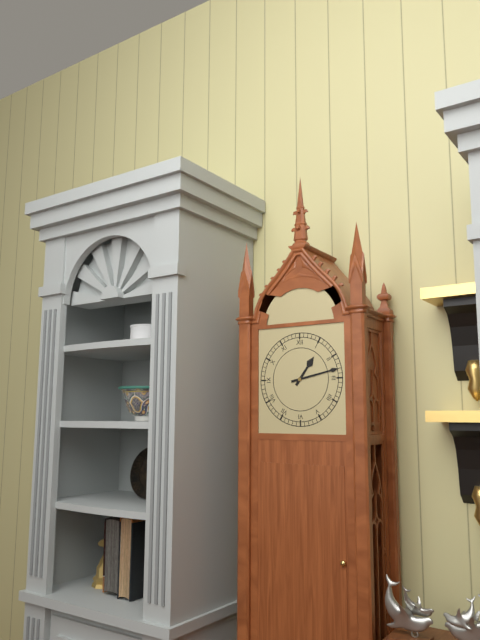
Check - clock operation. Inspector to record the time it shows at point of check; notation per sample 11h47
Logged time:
1h13
